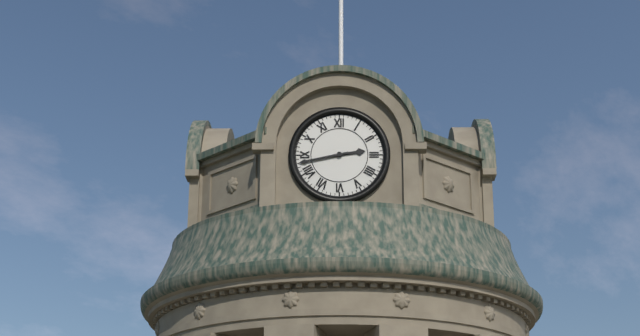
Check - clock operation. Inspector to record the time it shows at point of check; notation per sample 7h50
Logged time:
2h43
